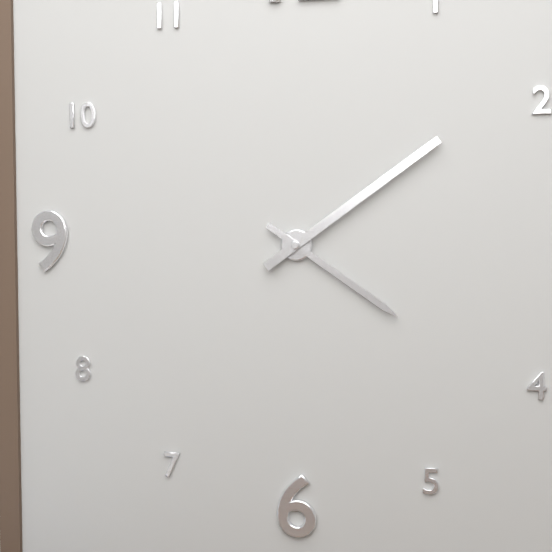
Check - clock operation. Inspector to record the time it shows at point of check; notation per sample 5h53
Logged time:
4h09
